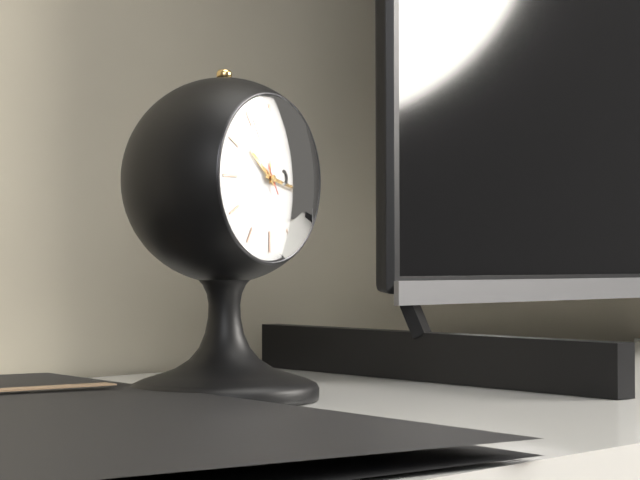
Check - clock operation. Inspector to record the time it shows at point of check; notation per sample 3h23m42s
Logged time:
10h17m55s
